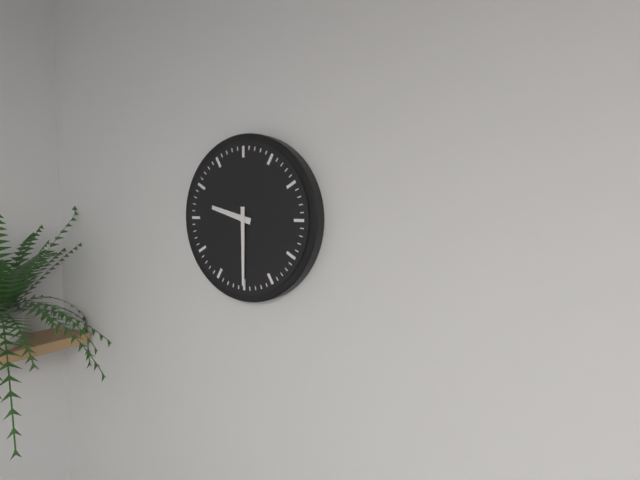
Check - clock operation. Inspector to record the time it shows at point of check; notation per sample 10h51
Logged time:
9h30
